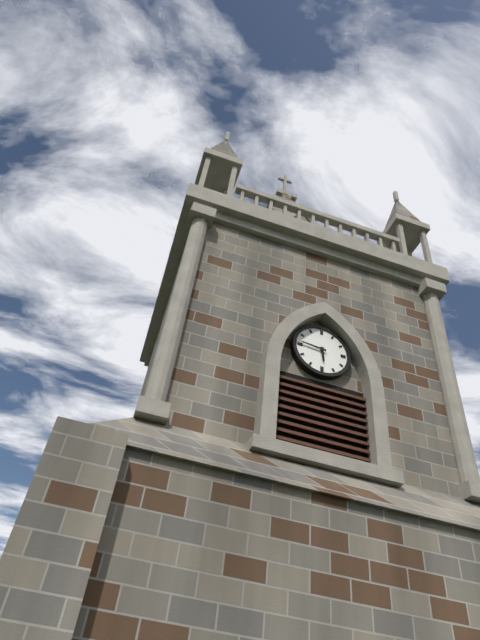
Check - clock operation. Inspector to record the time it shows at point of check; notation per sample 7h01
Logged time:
5h46
